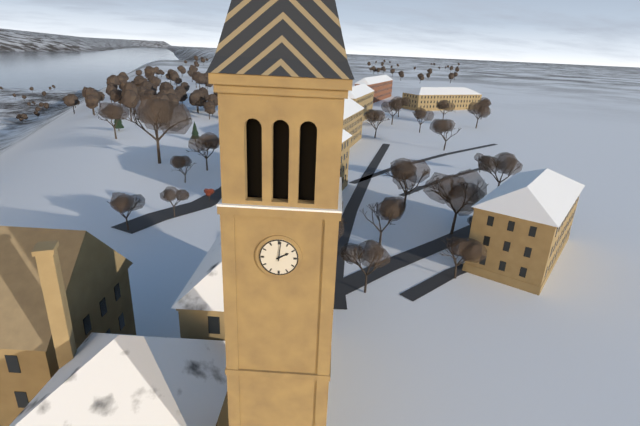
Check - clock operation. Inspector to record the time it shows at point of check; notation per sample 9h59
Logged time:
2h01
